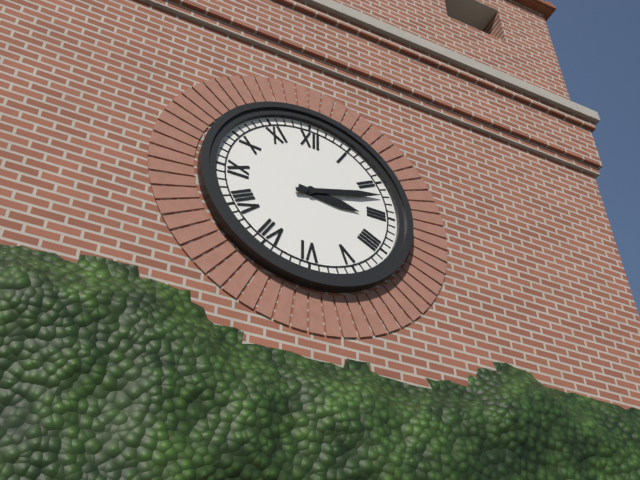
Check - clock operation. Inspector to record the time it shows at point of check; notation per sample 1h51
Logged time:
3h12
